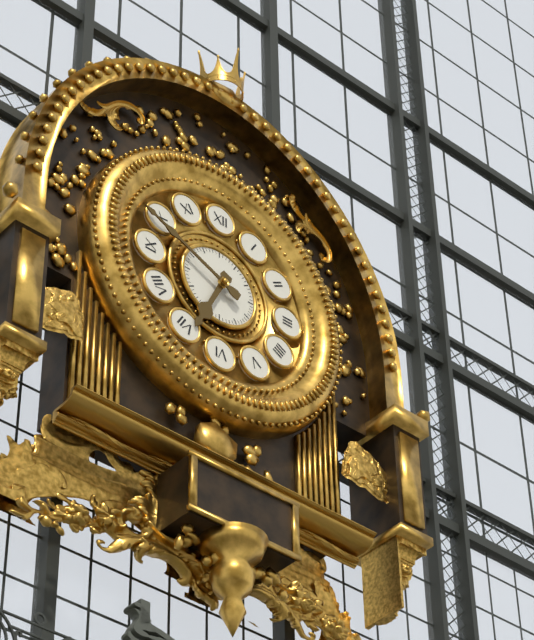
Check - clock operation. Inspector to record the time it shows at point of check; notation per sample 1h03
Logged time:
6h49
